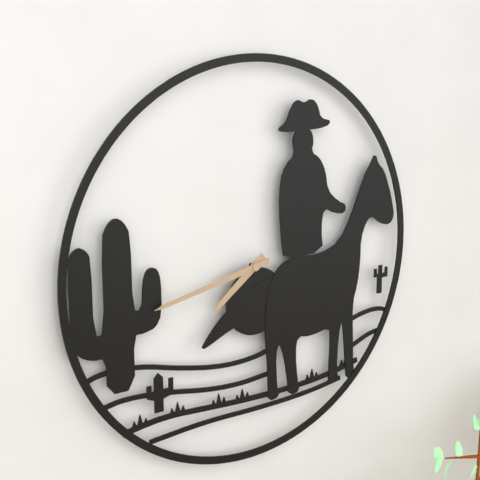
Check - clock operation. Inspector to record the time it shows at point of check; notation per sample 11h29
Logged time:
7h43
